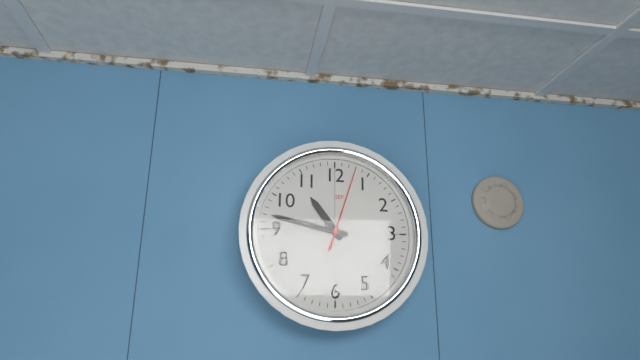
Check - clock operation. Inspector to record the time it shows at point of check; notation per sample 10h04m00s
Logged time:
10h47m03s
